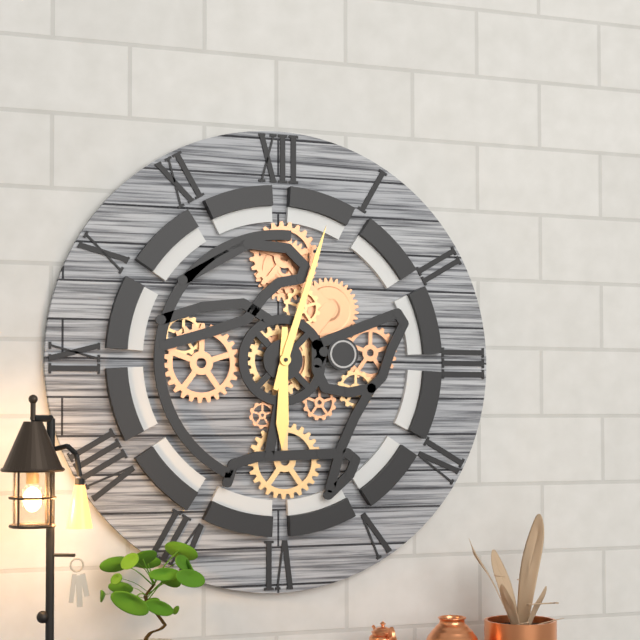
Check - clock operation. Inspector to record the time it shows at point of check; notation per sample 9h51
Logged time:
6h03
